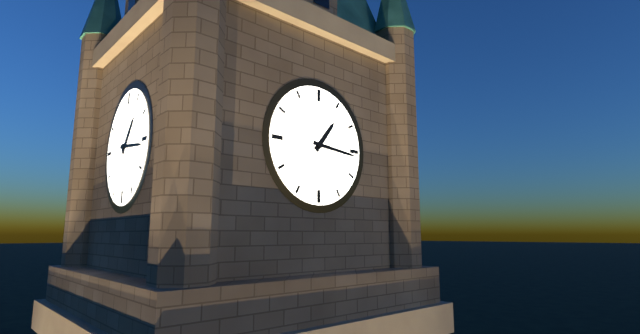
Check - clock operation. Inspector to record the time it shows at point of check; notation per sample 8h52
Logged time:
1h16
